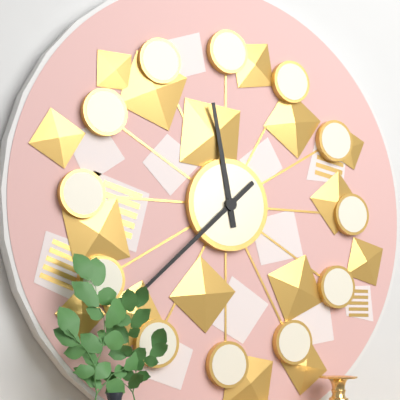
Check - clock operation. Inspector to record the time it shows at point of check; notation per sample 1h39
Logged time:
11h38
